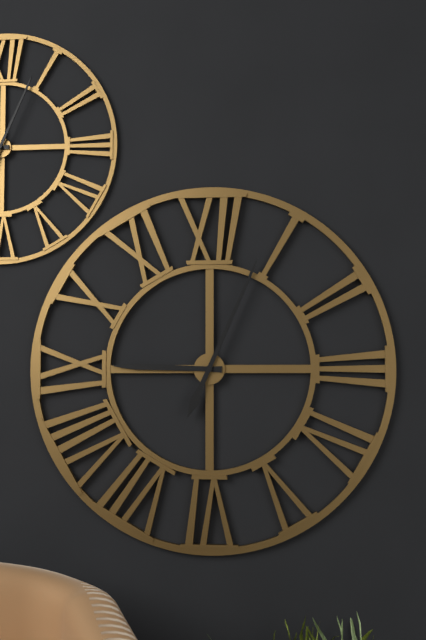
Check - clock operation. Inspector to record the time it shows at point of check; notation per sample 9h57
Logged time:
9h04
